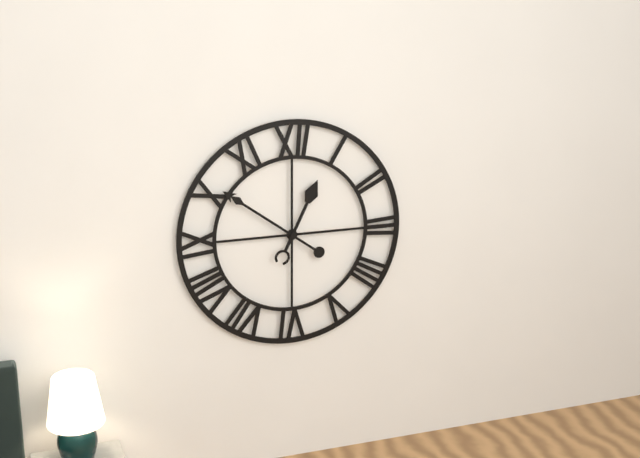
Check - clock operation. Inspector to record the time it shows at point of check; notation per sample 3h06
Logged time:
12h51
